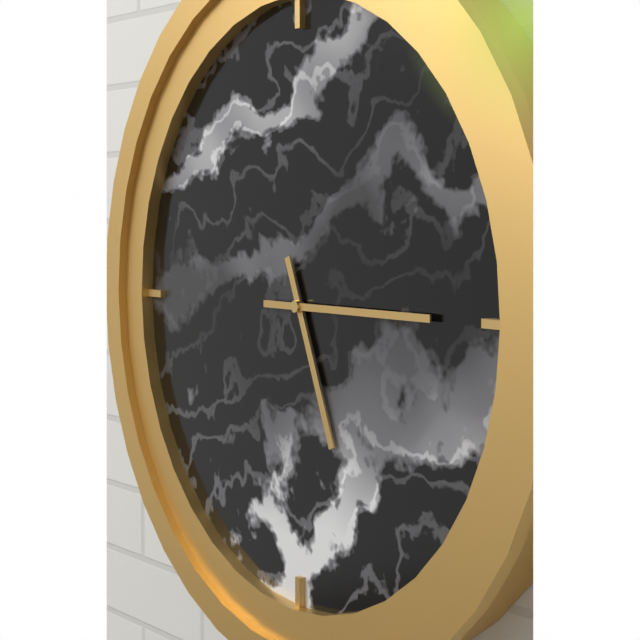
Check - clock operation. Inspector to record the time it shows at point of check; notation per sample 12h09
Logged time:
5h15
